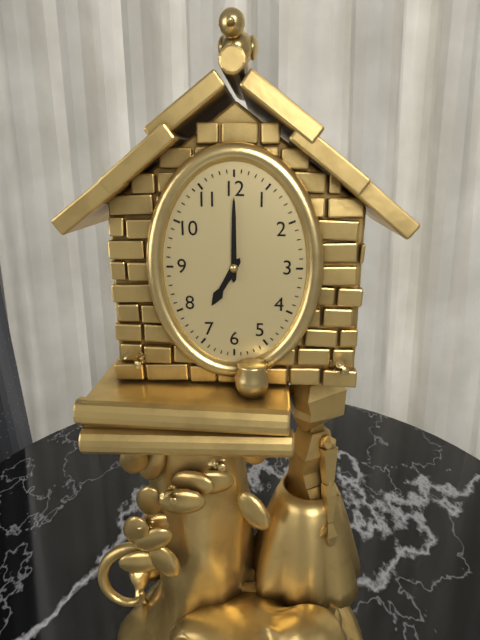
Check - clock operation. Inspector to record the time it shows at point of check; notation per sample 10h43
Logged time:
7h00
